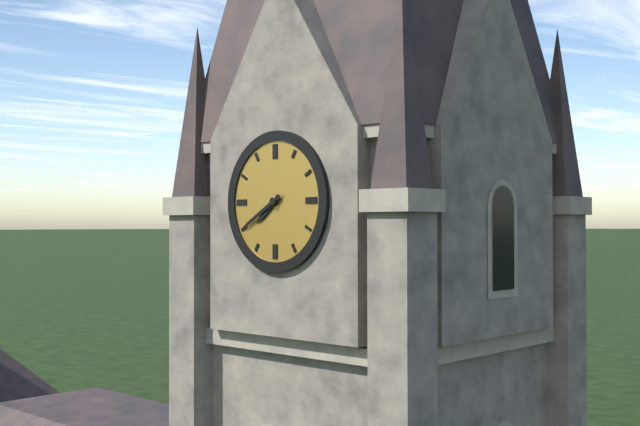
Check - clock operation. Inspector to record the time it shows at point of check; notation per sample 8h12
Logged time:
7h40
